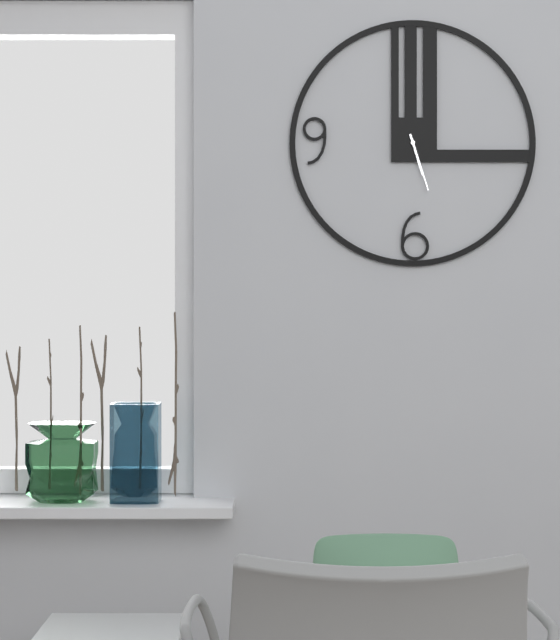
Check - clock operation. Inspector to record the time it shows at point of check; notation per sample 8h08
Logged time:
5h27
